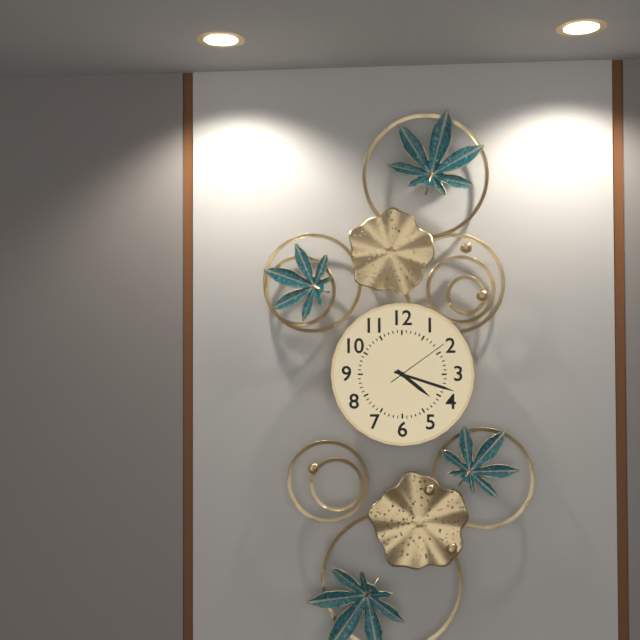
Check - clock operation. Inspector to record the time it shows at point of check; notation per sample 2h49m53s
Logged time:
4h18m09s
